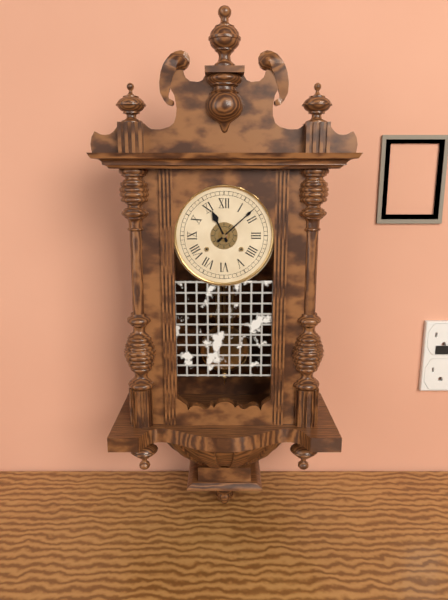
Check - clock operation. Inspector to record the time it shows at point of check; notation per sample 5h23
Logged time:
11h08
